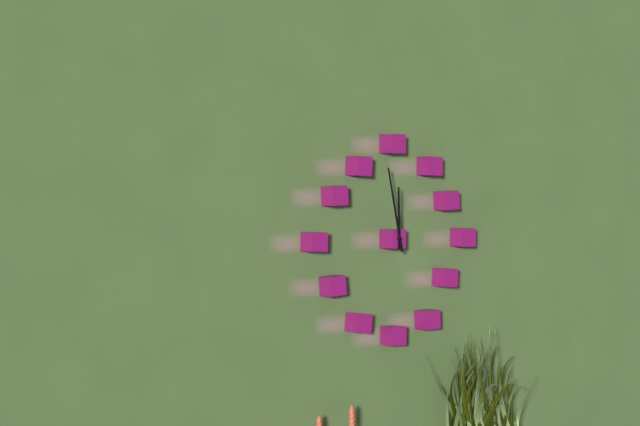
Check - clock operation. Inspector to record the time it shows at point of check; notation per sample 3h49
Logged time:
11h58
